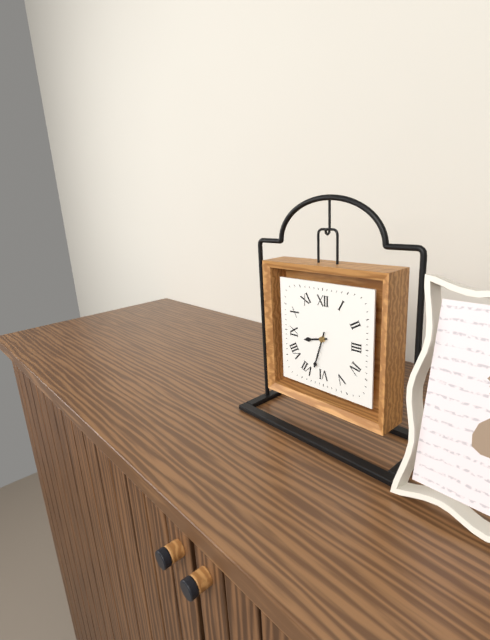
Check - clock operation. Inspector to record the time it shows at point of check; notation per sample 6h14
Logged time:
8h33
